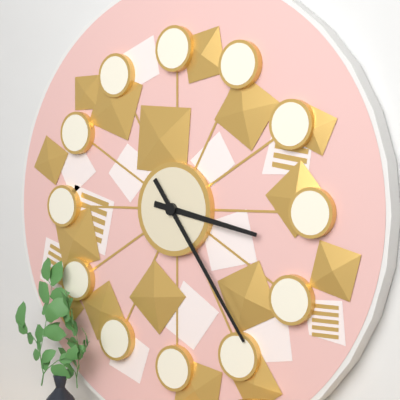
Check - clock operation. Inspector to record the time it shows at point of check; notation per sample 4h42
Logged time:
3h24
